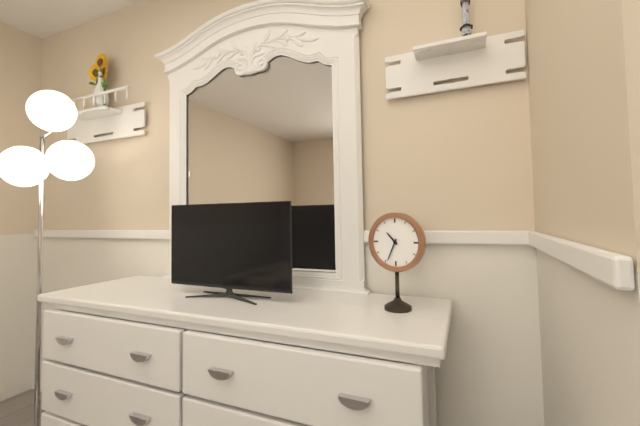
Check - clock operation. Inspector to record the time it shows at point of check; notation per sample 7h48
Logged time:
10h34
